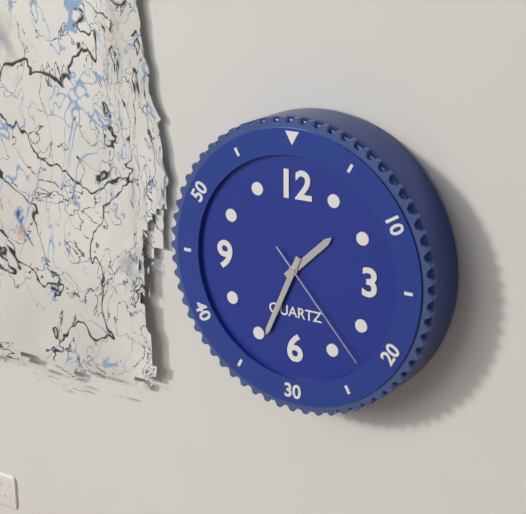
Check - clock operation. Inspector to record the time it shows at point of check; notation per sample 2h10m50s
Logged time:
1h34m23s
